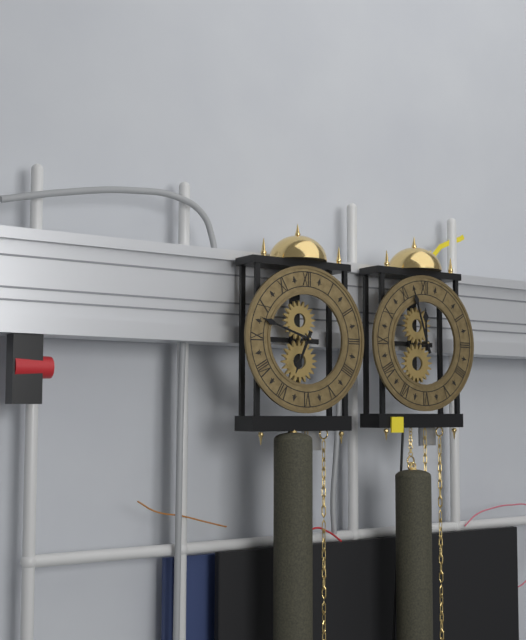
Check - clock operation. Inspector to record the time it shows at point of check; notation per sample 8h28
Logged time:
6h48
